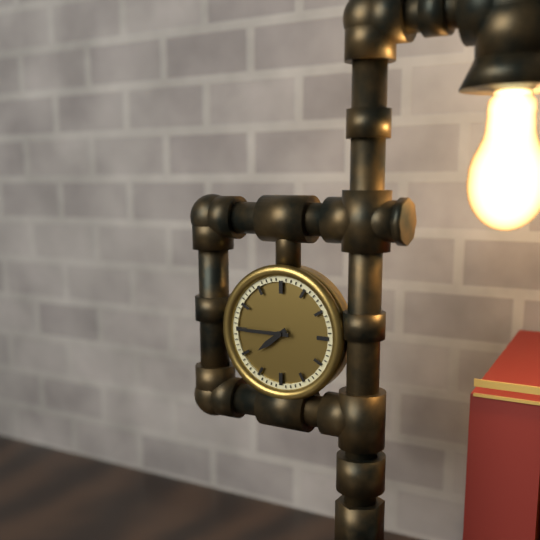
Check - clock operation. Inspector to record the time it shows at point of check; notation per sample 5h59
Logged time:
7h45
